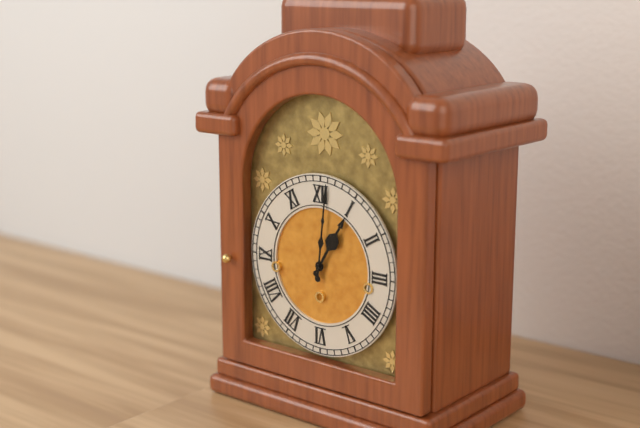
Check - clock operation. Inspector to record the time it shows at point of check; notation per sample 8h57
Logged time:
1h01
